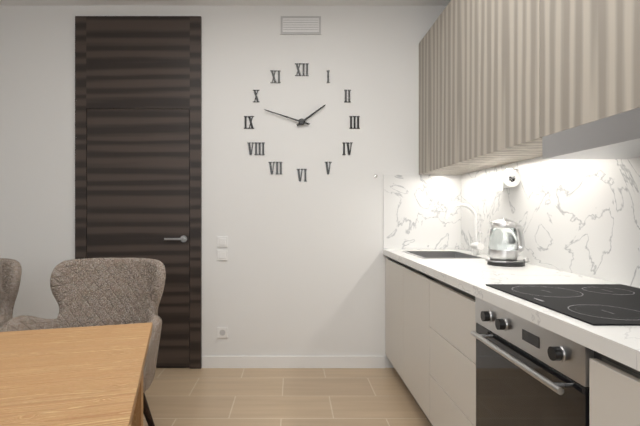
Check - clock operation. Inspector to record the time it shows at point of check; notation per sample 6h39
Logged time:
1h48
